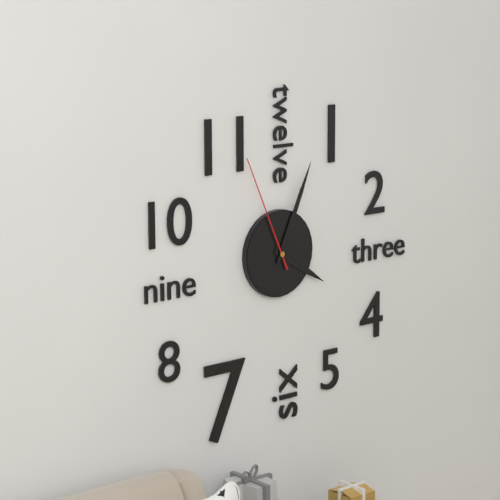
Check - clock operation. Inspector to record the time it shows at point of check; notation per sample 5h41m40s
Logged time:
4h04m56s
